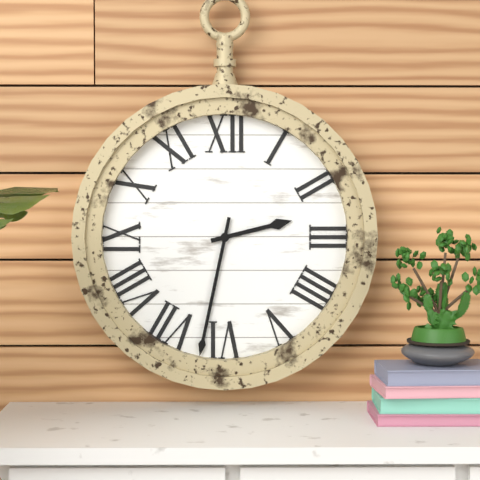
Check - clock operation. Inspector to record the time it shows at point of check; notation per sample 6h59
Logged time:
2h32
